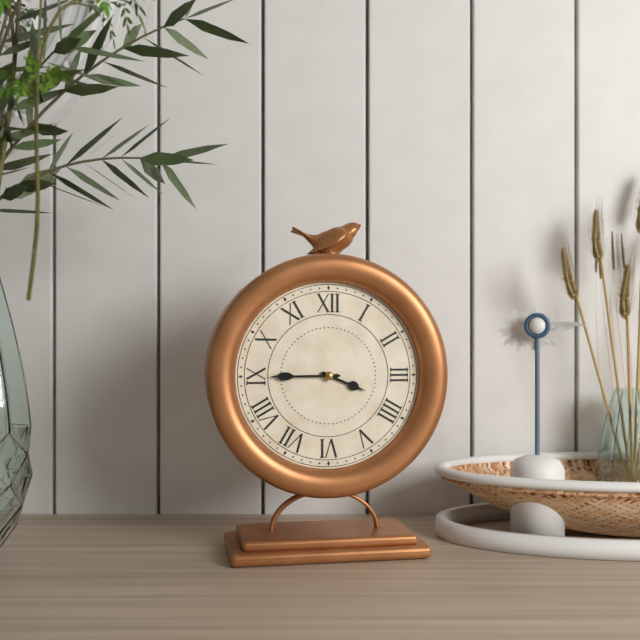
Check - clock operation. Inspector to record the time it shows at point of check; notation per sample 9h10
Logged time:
3h45
